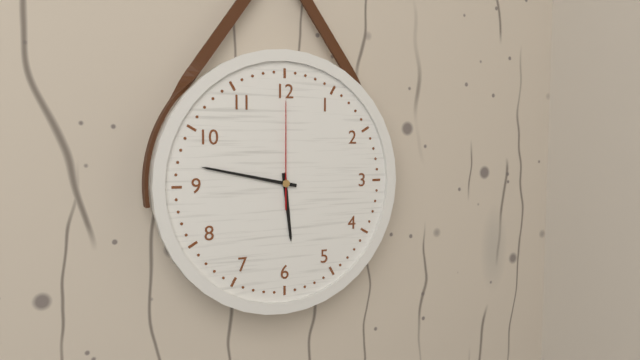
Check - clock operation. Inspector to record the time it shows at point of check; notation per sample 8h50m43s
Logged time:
5h47m00s
